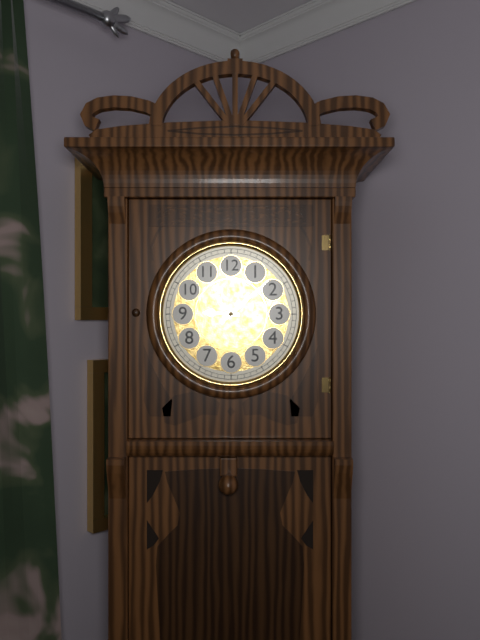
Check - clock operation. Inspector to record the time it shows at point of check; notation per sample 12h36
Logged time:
9h08
